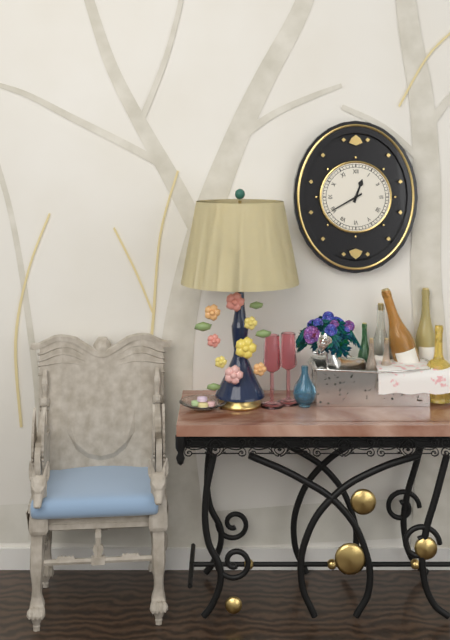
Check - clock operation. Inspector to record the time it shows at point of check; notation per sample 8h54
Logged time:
12h40
